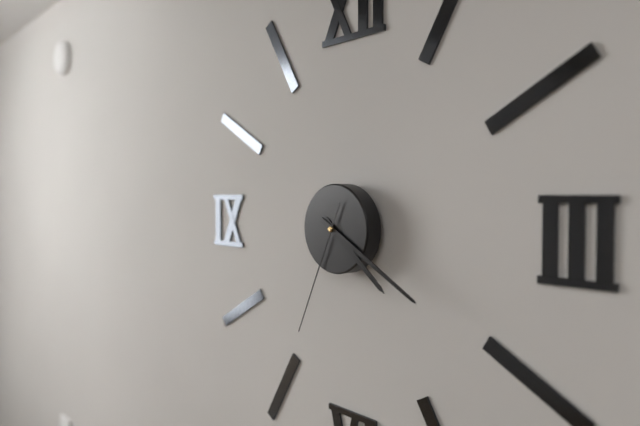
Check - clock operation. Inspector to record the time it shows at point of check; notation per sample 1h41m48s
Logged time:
4h20m34s
